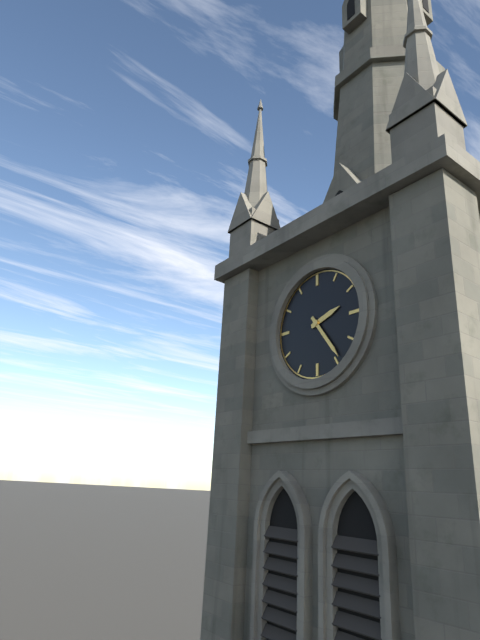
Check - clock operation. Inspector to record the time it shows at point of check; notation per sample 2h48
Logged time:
2h24
